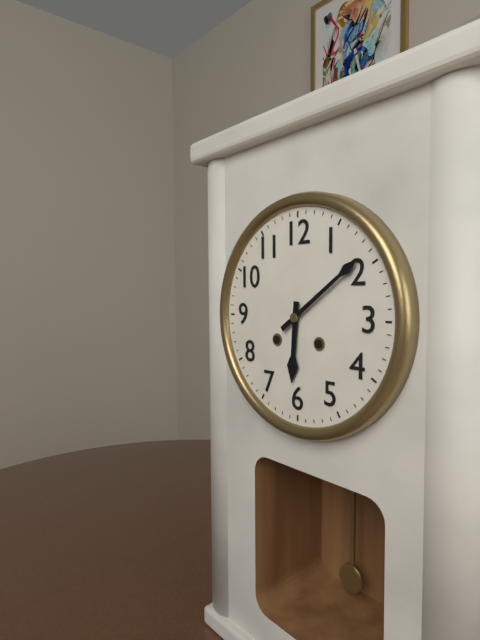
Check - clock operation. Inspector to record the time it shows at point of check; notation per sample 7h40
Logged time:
6h09
